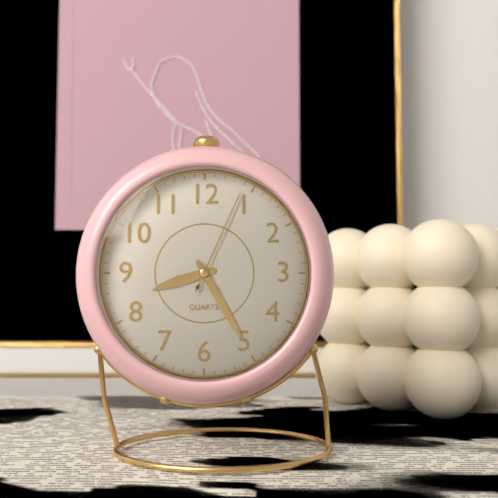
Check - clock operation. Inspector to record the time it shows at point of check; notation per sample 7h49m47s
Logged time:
8h25m04s
